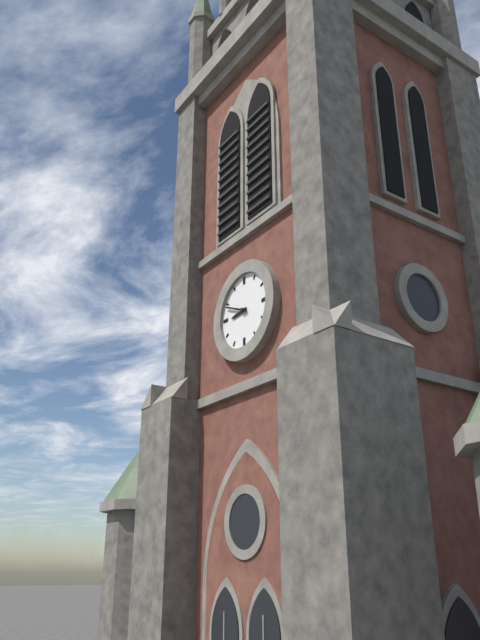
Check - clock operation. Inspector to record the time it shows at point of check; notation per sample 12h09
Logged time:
8h49
